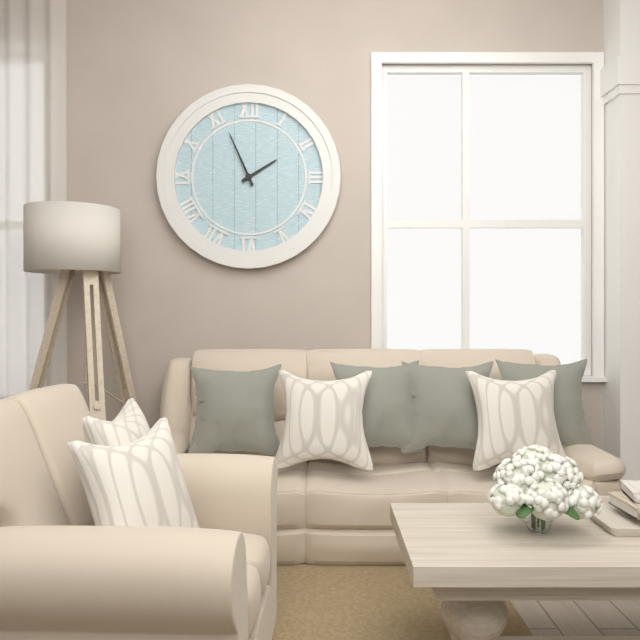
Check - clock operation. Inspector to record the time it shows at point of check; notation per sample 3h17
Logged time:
1h56
